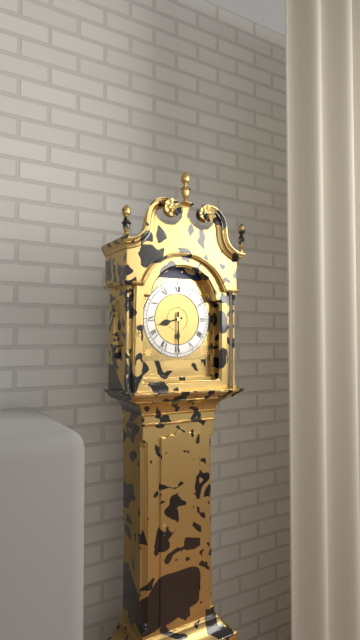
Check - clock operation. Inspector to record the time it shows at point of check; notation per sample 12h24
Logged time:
8h30
